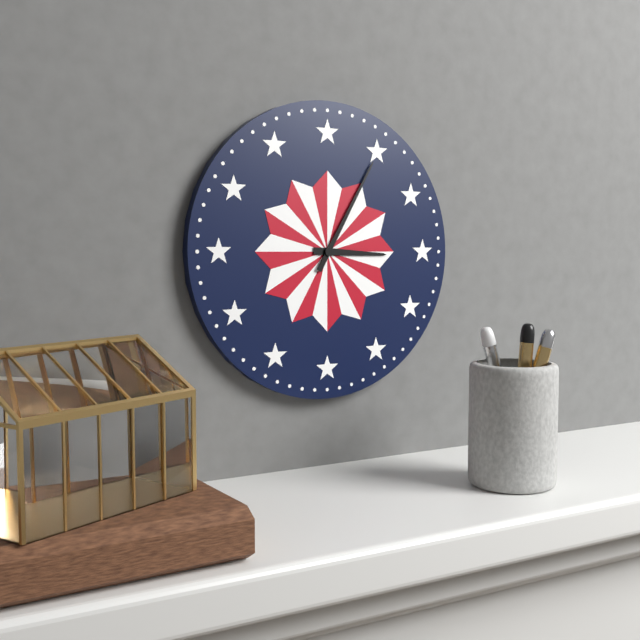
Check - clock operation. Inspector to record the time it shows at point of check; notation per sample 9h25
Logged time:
3h05
